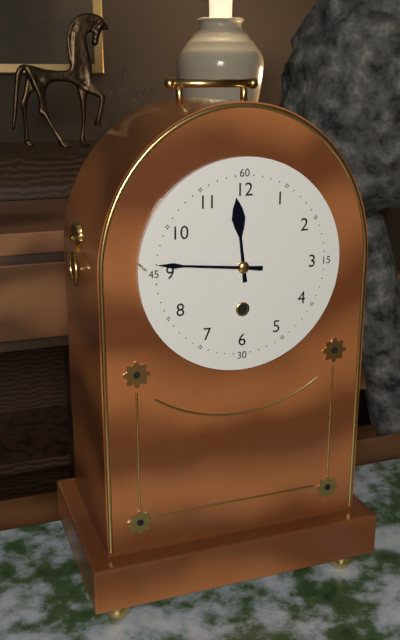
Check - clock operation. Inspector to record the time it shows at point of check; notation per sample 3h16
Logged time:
11h46
